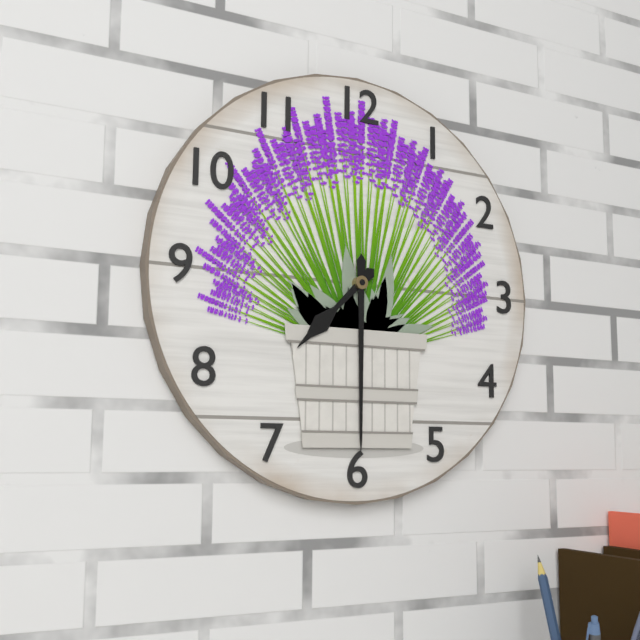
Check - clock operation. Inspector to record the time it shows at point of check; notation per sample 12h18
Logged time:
7h30
